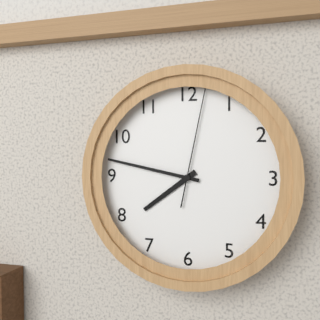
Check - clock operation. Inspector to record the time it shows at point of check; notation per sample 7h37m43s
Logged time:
7h47m02s
